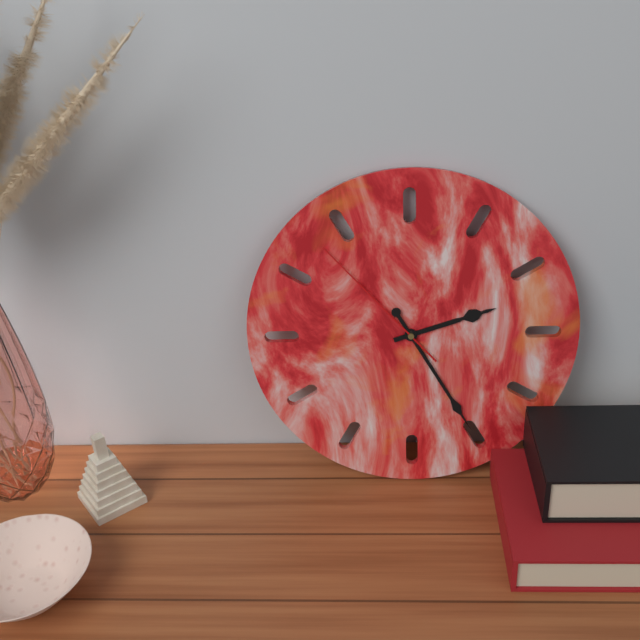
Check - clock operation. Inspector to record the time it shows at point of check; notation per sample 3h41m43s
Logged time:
2h25m53s
